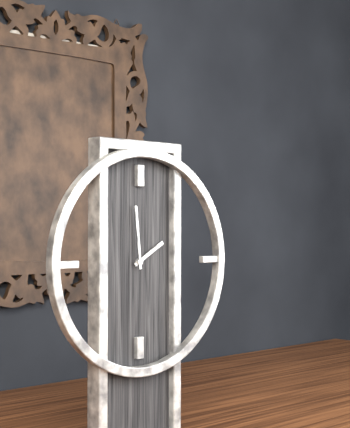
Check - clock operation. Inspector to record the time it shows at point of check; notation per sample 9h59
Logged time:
1h59
